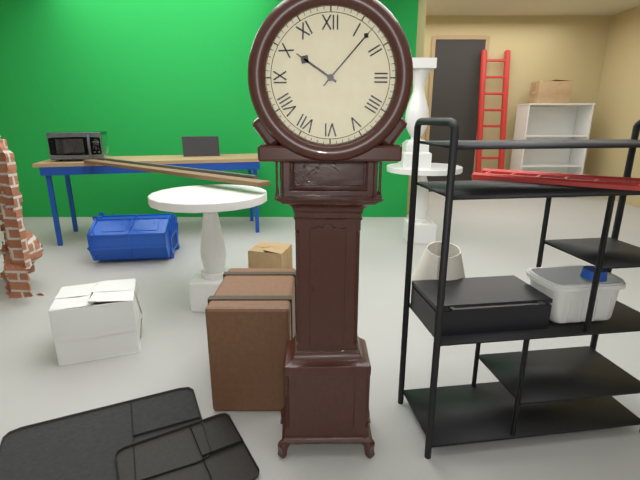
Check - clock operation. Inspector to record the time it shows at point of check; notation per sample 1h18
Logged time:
10h07
